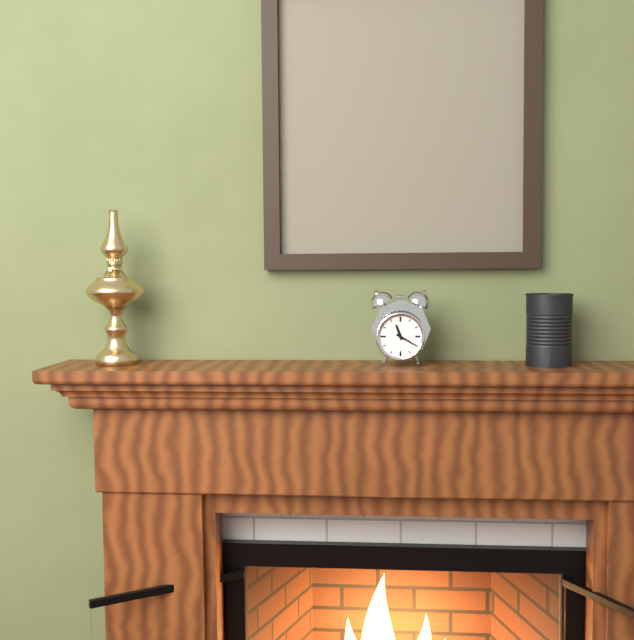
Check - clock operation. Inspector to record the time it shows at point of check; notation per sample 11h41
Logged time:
11h20
